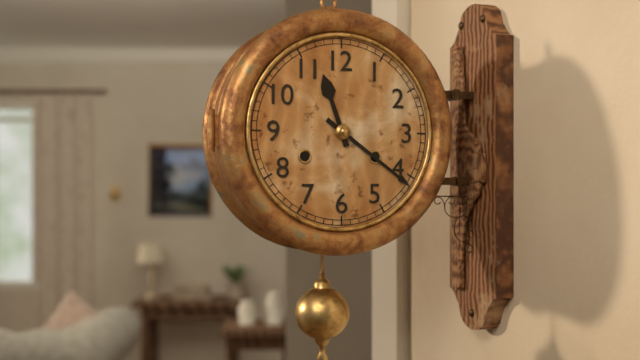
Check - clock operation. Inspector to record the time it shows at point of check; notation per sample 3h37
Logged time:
11h21
